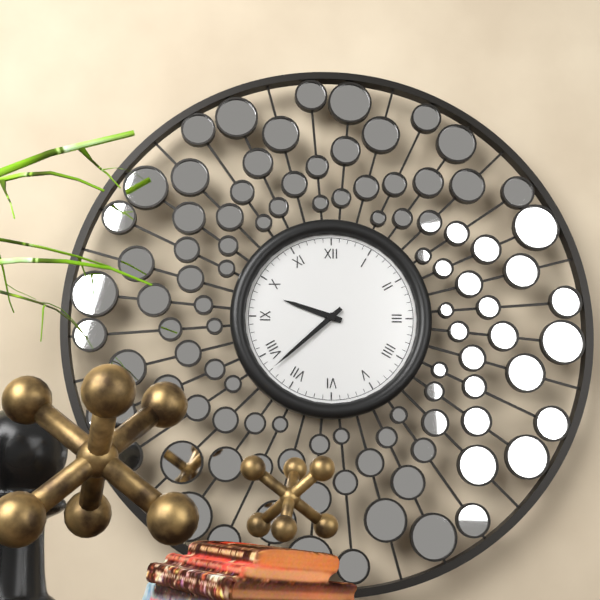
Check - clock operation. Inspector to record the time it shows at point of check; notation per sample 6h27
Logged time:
9h38
